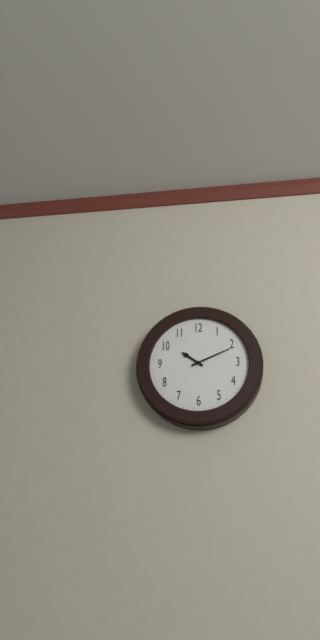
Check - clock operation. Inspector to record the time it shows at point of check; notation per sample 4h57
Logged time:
10h11
